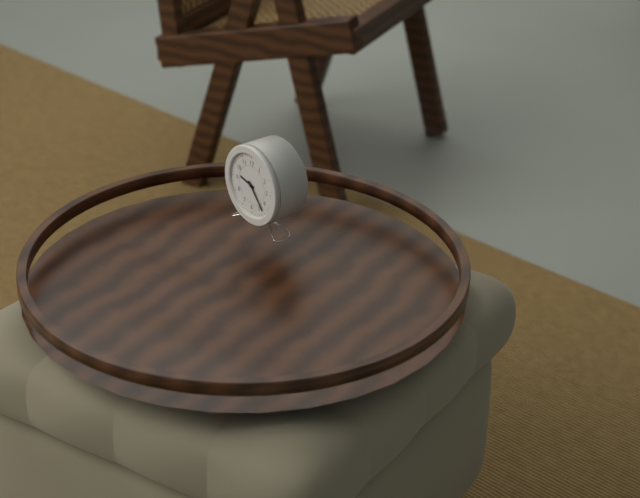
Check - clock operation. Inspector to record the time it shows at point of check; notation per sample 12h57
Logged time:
9h23
